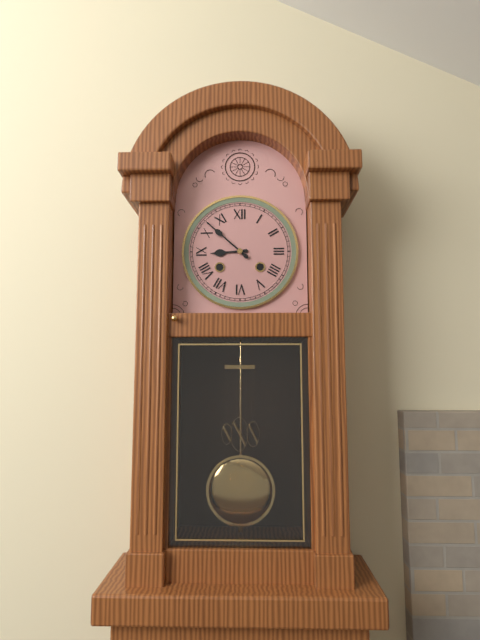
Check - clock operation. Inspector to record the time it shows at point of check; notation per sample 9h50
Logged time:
8h52
